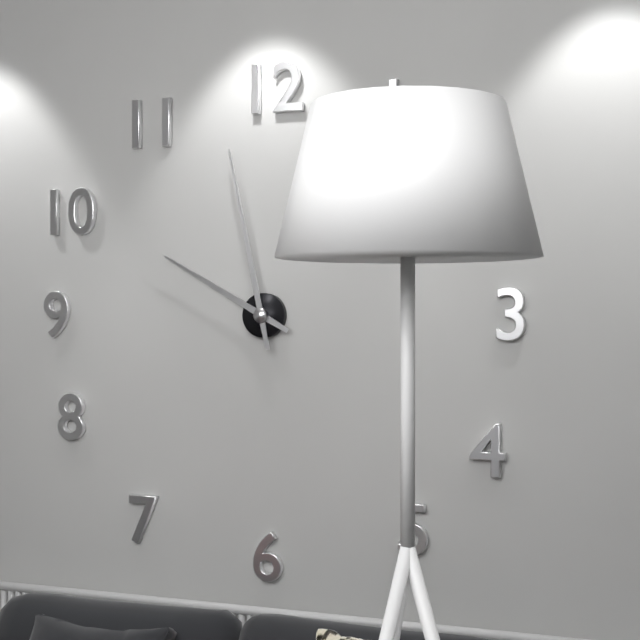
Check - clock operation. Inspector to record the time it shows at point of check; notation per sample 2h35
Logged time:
9h58
